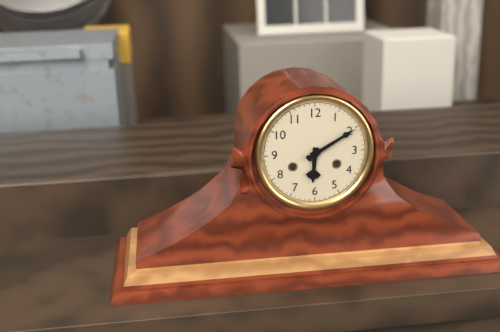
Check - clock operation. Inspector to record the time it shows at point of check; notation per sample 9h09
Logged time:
6h10
